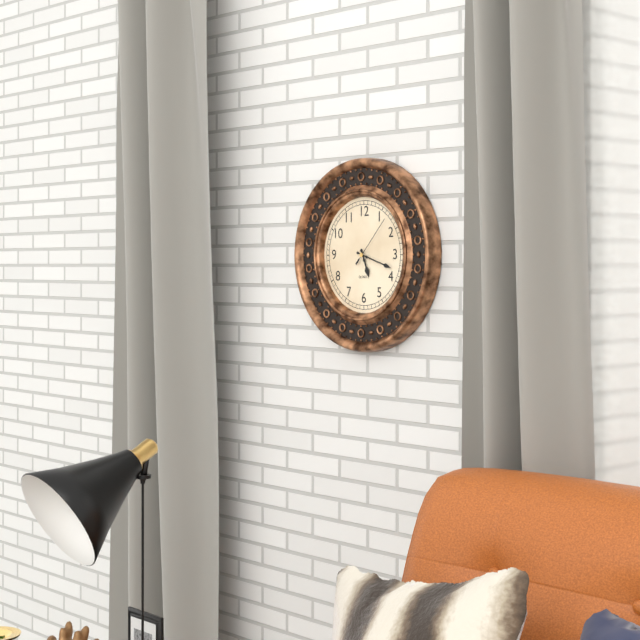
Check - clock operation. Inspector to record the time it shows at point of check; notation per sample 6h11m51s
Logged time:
5h18m07s
